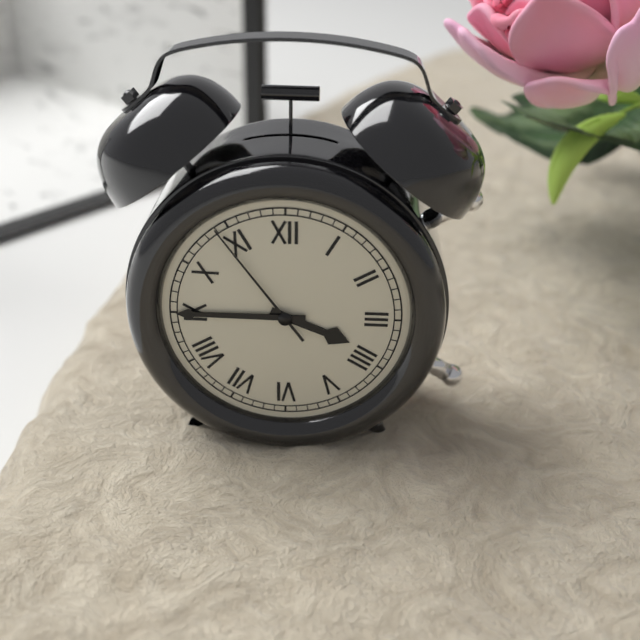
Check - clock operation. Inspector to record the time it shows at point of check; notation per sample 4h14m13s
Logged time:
3h45m54s
